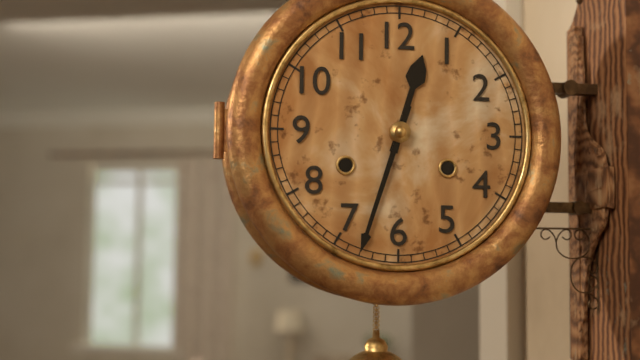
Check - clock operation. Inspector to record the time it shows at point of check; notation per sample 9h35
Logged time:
12h33
